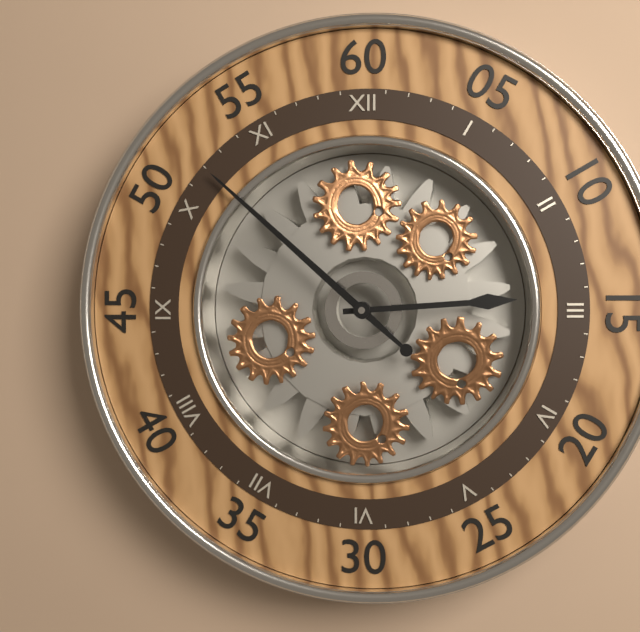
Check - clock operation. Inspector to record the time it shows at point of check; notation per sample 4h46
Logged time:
2h52
